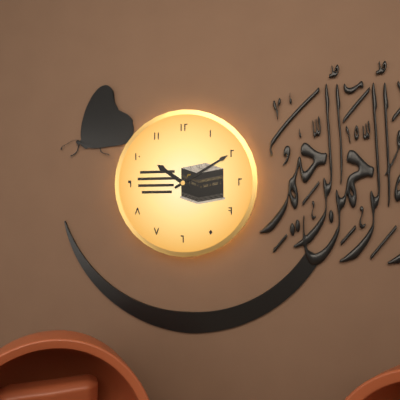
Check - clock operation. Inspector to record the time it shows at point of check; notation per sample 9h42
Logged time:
10h10
